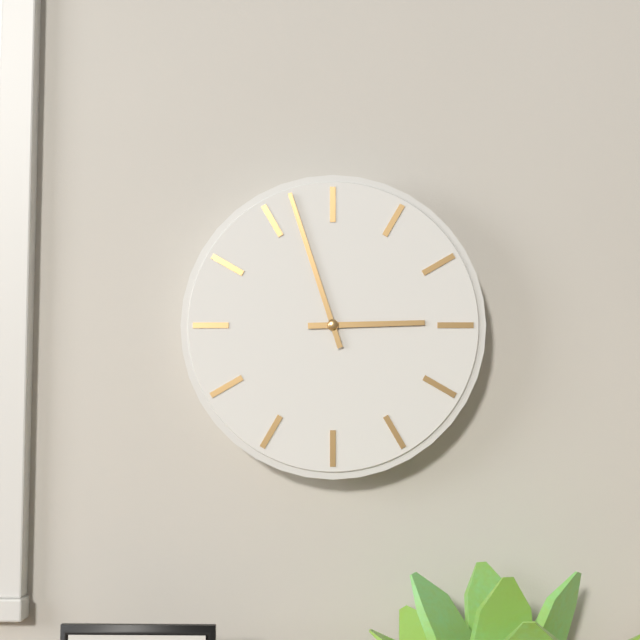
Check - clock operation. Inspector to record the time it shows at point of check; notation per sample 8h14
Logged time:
2h57
